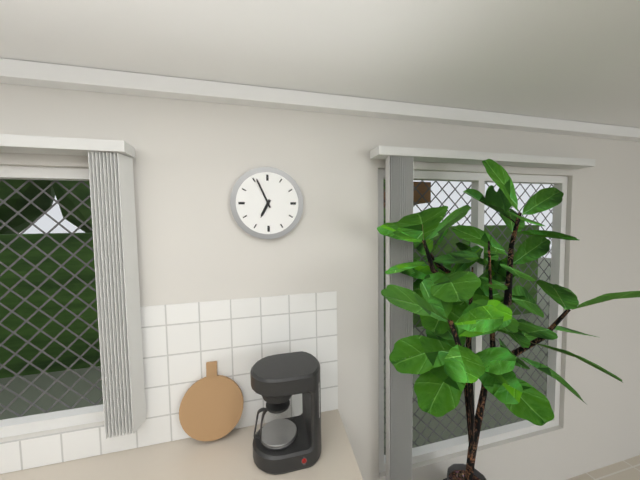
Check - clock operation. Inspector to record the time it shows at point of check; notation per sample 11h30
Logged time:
6h56
